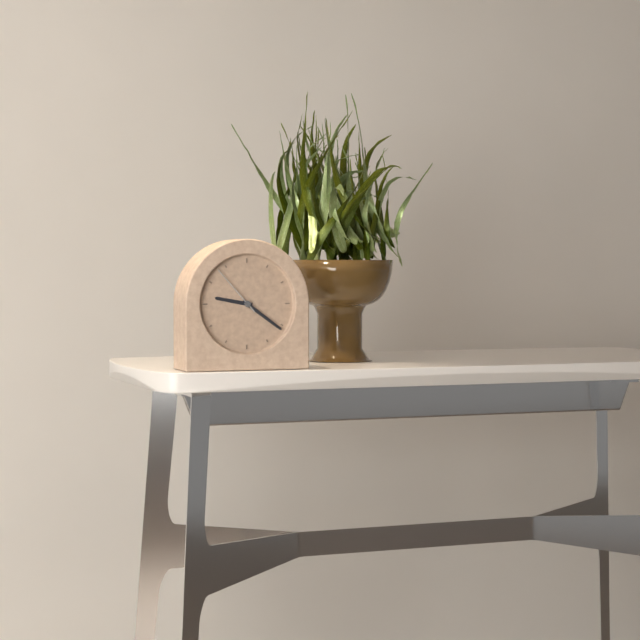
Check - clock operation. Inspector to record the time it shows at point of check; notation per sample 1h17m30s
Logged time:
9h21m53s
